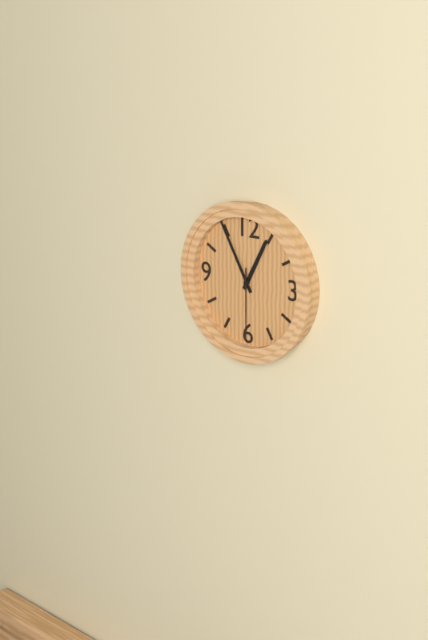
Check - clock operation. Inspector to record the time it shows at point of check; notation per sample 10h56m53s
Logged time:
12h55m30s
